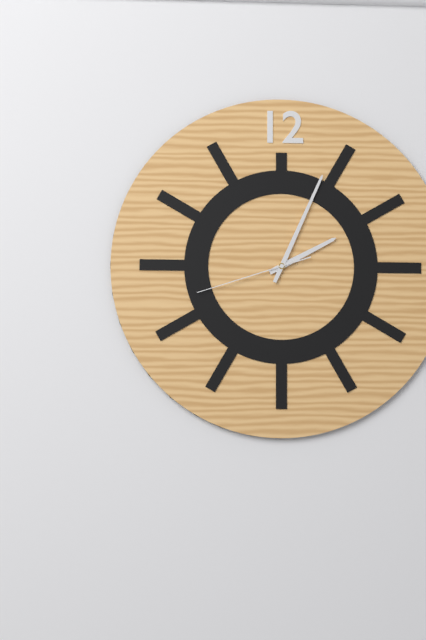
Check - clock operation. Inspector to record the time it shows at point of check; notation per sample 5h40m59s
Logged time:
2h04m42s
